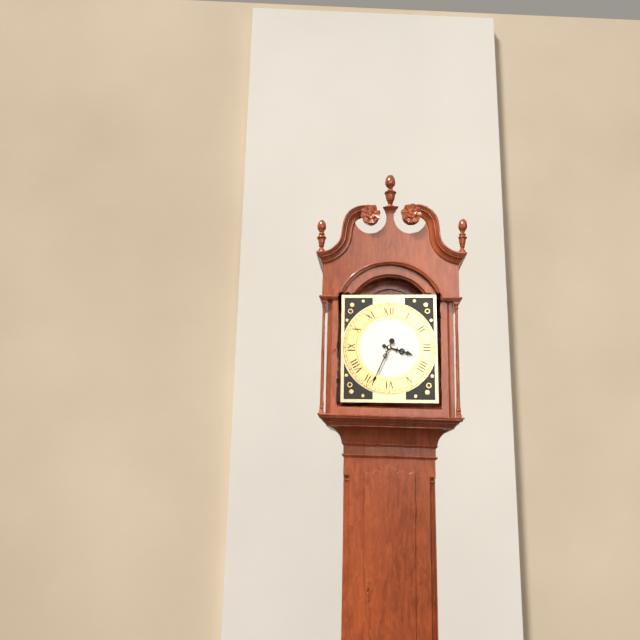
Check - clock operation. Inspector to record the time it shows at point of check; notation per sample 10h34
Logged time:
3h34
